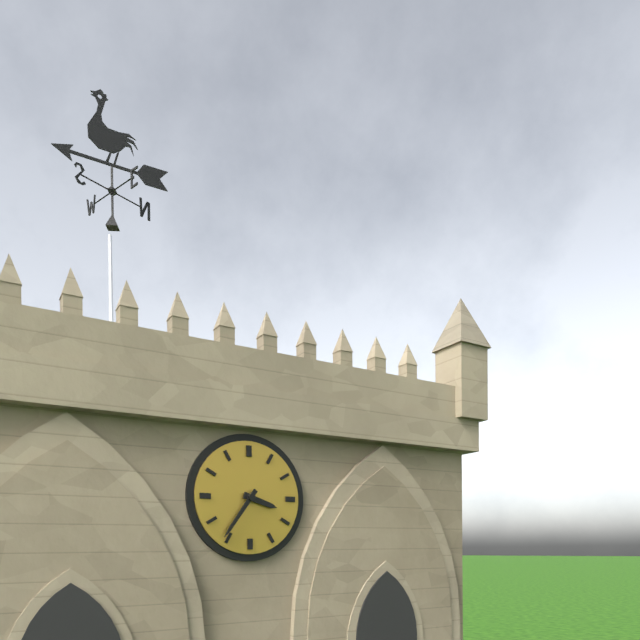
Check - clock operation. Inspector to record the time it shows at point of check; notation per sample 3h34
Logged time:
3h36
